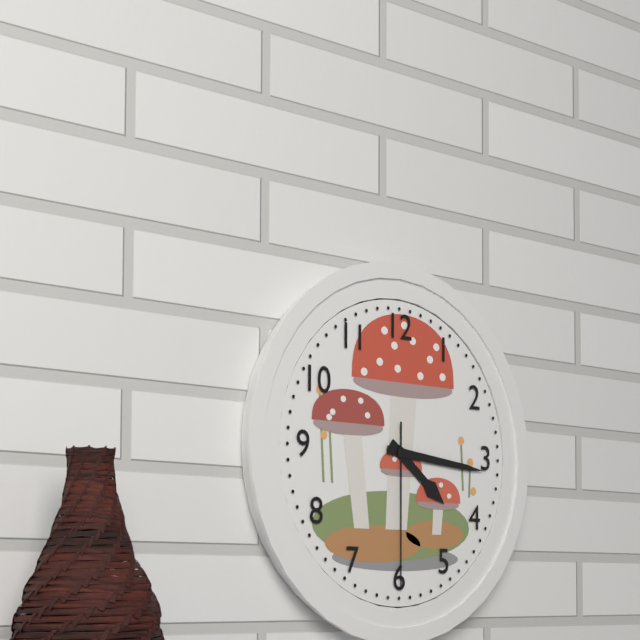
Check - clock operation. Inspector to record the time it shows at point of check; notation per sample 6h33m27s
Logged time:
4h16m30s
